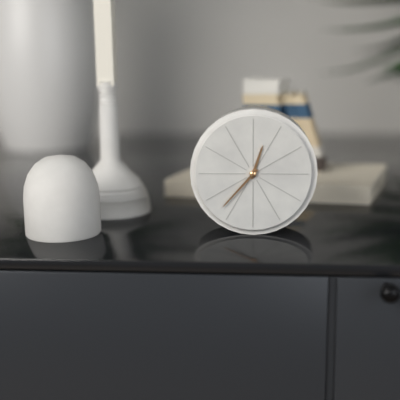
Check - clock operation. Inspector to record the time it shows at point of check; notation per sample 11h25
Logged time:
12h37
